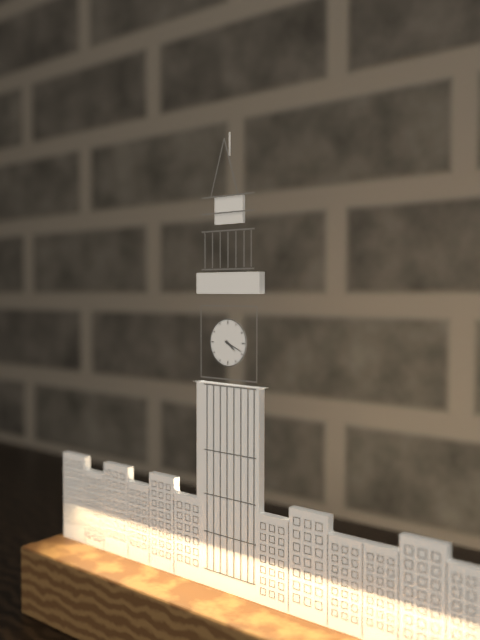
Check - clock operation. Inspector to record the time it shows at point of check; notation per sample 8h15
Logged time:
4h19
